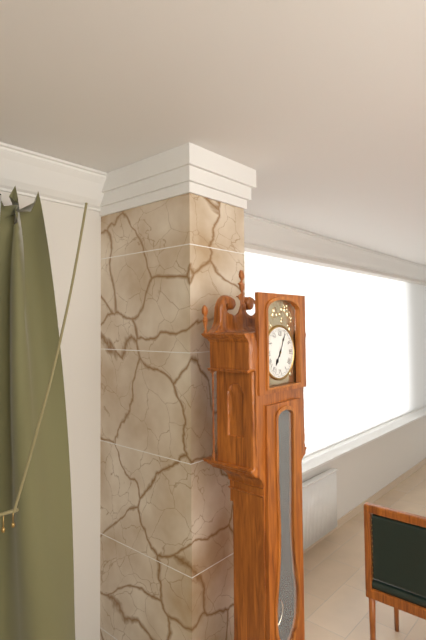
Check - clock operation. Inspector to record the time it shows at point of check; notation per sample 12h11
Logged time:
7h04
